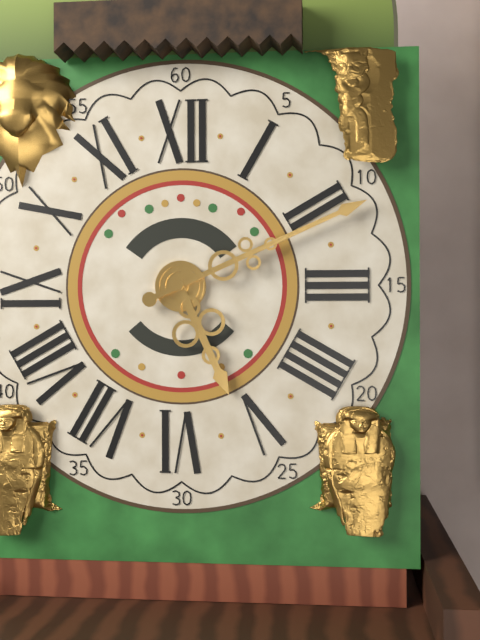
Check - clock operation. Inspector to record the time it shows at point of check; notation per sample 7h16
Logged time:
5h11
